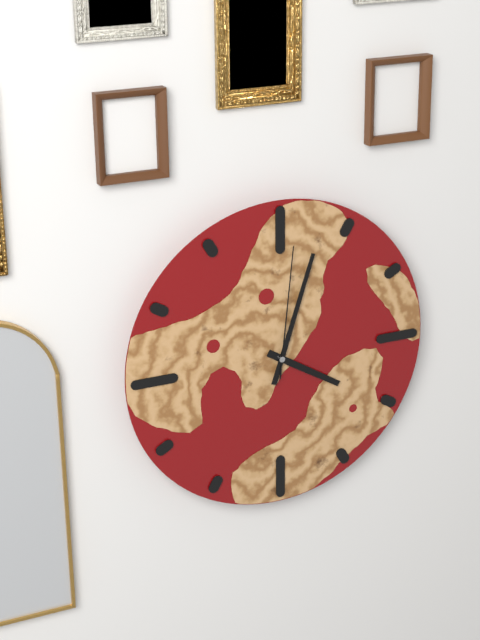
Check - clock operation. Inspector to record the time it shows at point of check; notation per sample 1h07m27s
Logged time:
4h03m01s
